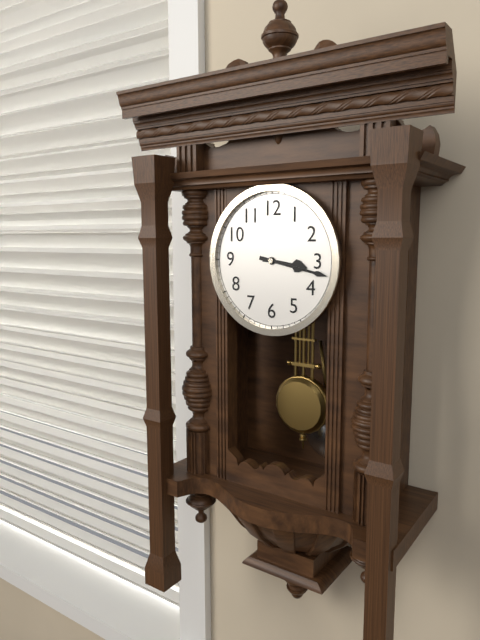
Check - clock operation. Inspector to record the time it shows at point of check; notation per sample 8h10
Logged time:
3h17
